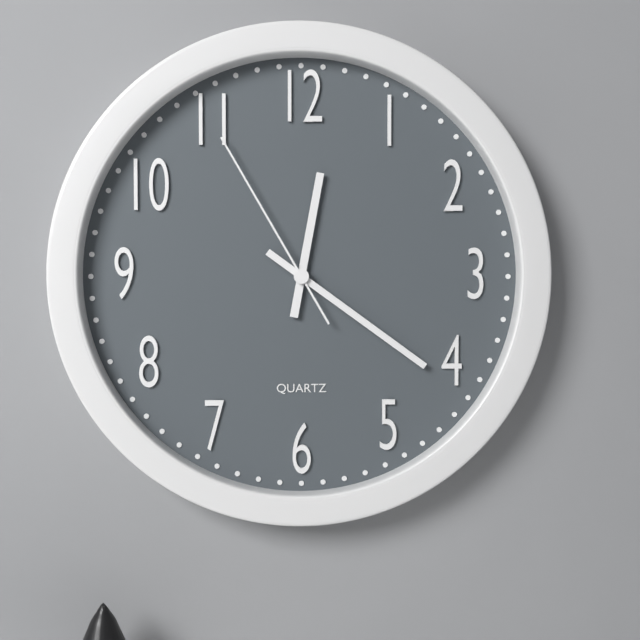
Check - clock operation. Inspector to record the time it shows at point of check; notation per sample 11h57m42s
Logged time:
12h21m55s
